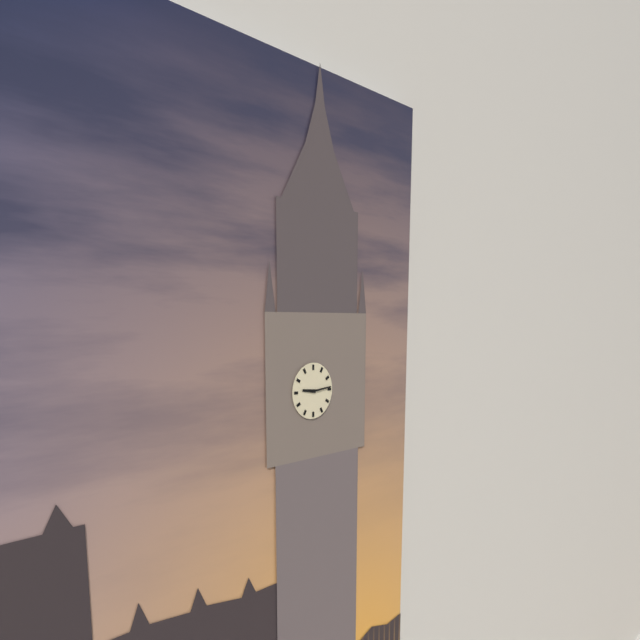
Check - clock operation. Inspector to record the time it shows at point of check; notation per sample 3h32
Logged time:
9h14
